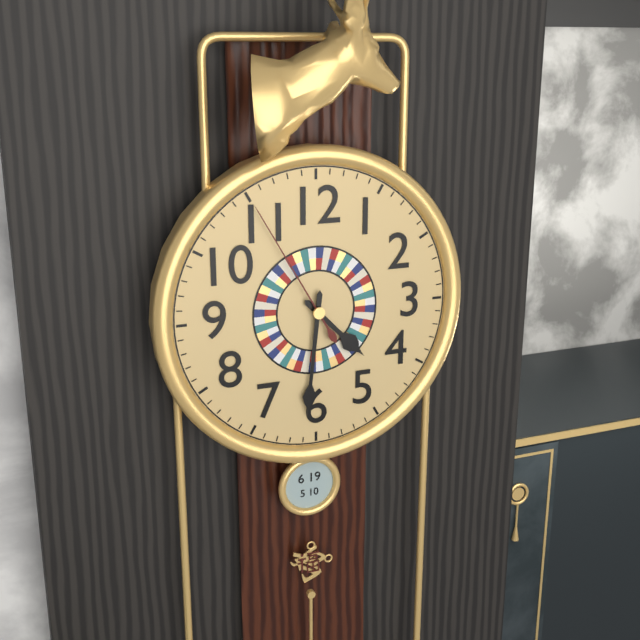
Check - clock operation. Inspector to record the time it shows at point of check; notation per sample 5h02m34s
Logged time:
4h31m55s
